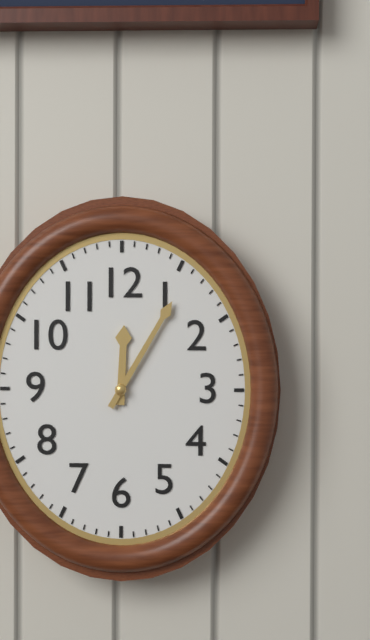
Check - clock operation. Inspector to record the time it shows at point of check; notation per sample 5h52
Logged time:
12h05
